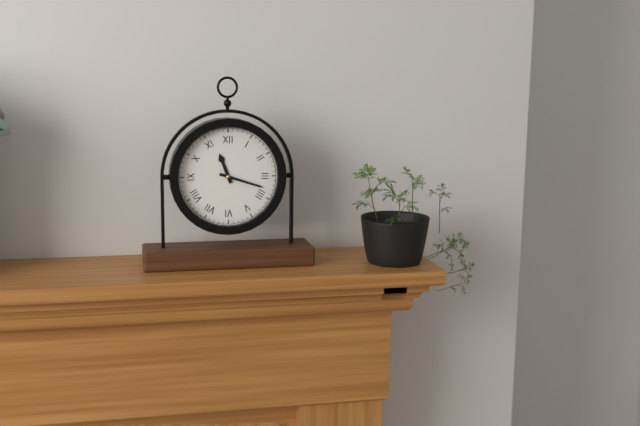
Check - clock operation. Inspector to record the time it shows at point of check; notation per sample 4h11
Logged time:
11h18
